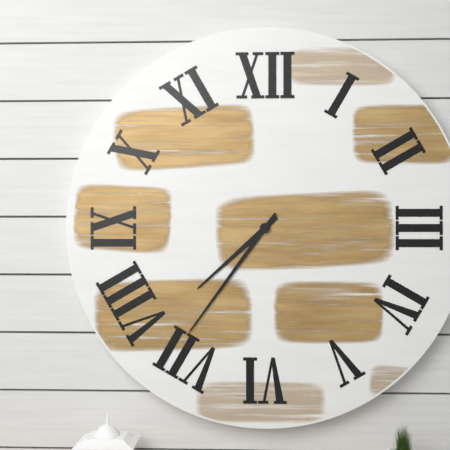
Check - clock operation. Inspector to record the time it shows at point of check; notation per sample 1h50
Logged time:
7h36
